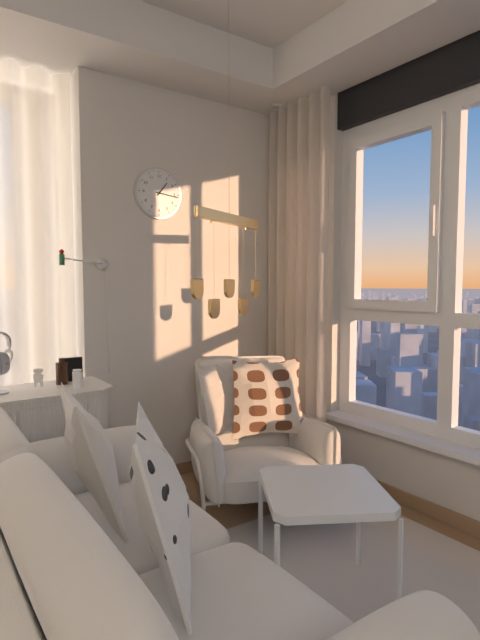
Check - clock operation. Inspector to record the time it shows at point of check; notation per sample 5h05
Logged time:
1h16
